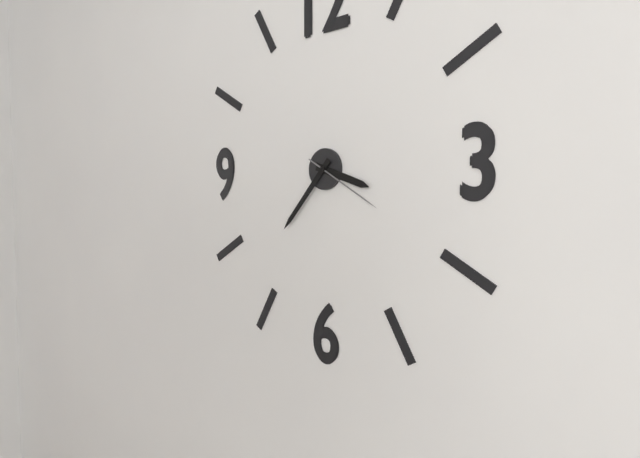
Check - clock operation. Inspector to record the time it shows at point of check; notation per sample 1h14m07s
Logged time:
3h37m20s
